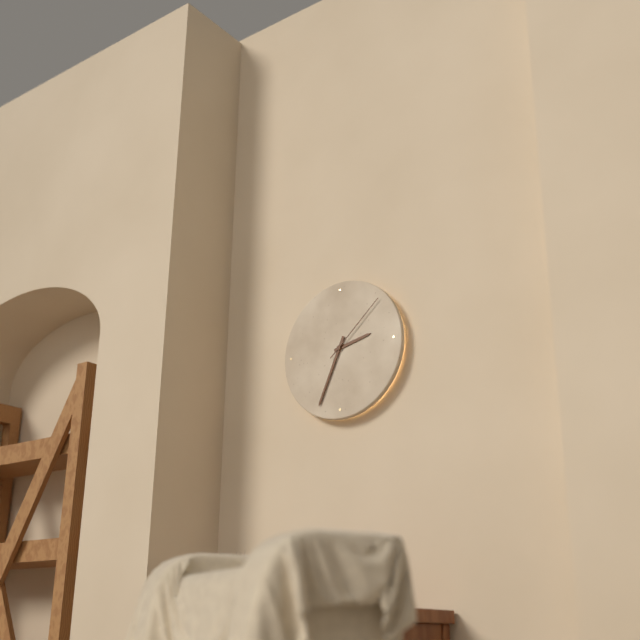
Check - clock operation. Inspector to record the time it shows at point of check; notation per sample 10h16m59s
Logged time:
2h34m08s
